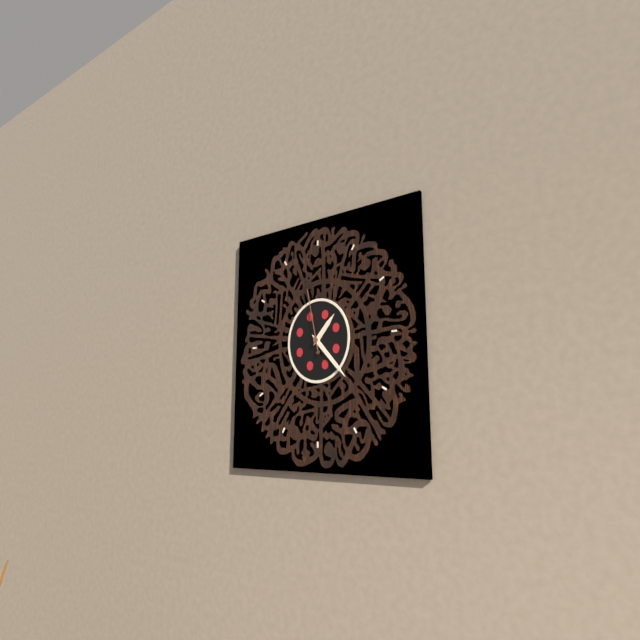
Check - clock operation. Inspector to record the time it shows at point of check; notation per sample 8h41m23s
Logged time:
1h23m58s
